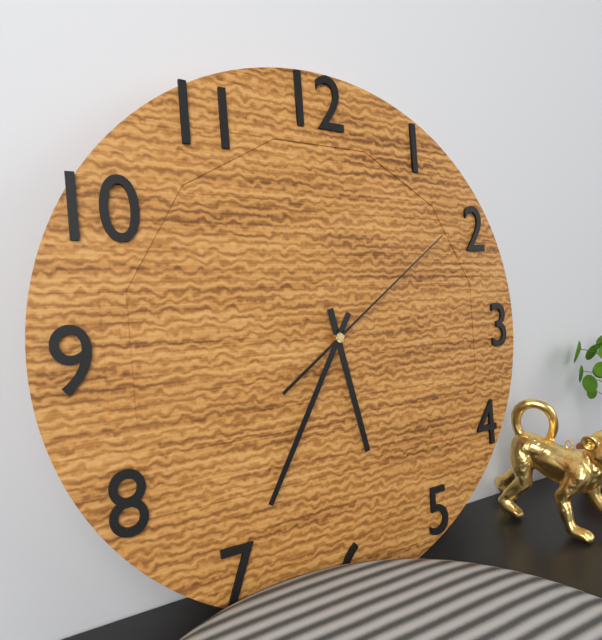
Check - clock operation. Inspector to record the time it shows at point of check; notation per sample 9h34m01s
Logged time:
5h35m09s
